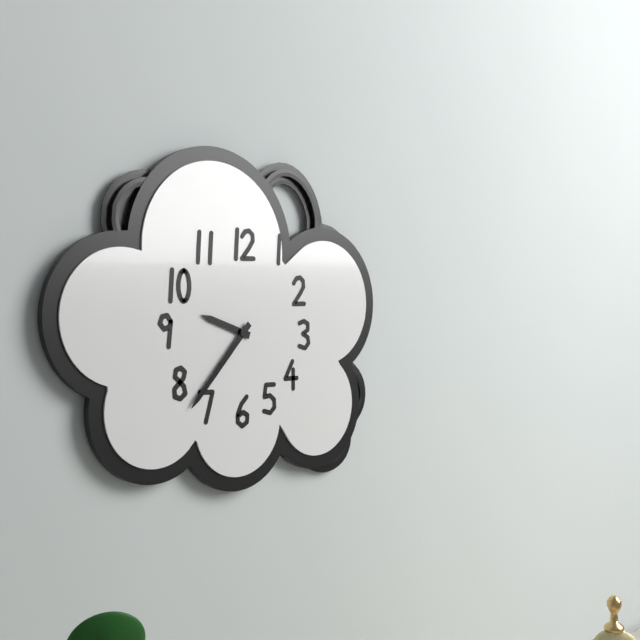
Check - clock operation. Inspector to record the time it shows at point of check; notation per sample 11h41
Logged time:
9h37
